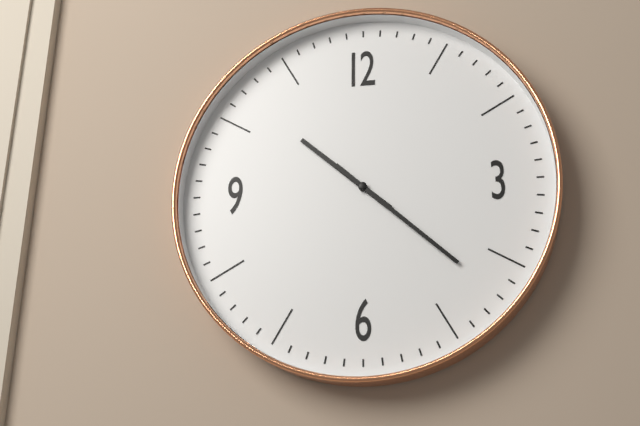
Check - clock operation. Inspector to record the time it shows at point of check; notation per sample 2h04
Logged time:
10h22
